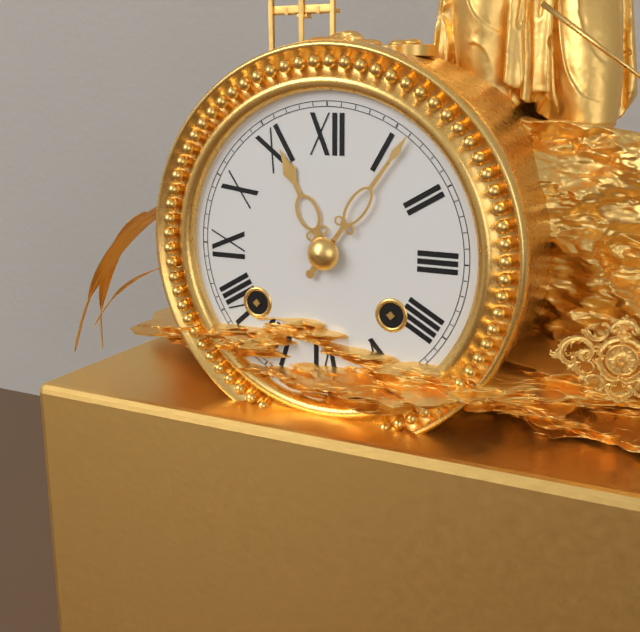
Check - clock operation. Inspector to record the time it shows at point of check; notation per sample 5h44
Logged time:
11h06
